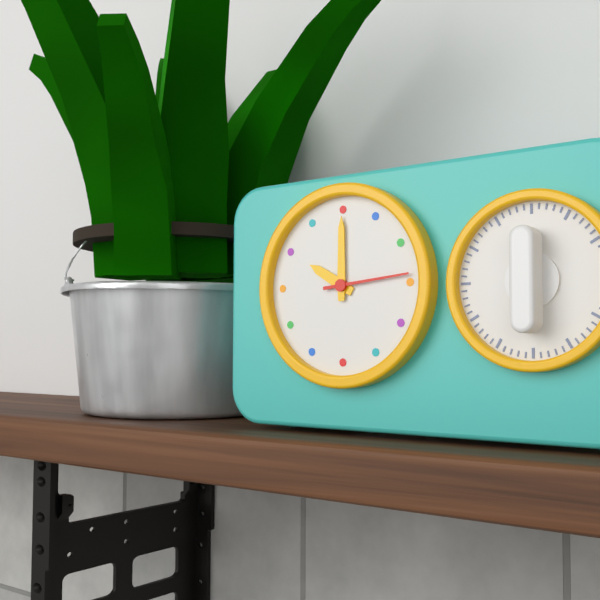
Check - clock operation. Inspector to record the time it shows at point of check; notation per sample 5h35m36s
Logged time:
10h00m14s
